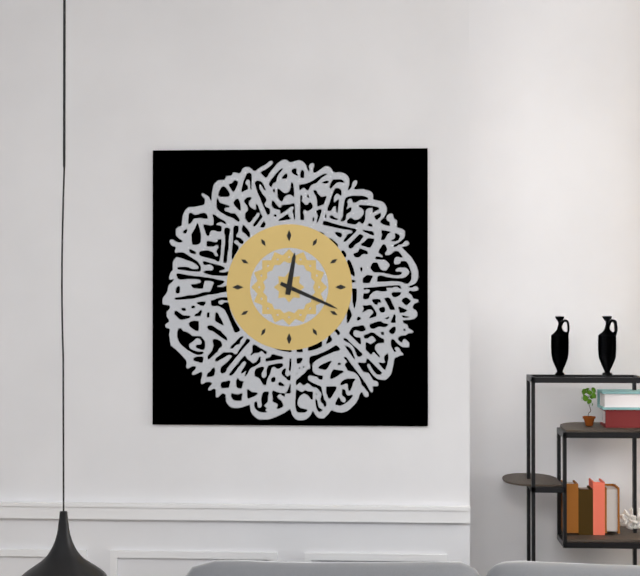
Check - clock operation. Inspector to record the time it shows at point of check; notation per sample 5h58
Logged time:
12h19
